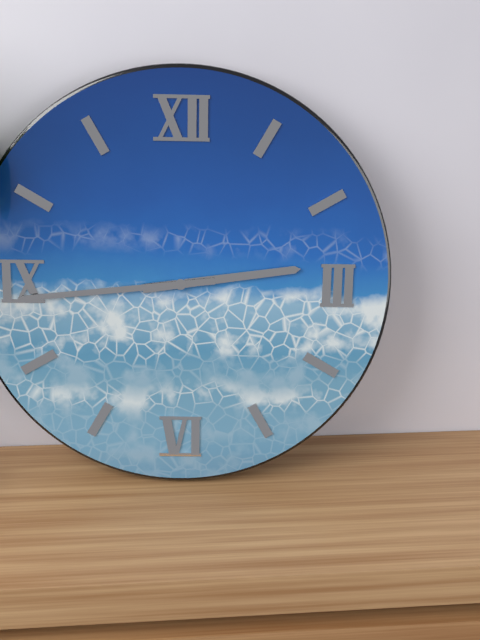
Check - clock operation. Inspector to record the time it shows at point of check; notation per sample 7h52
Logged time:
2h44
